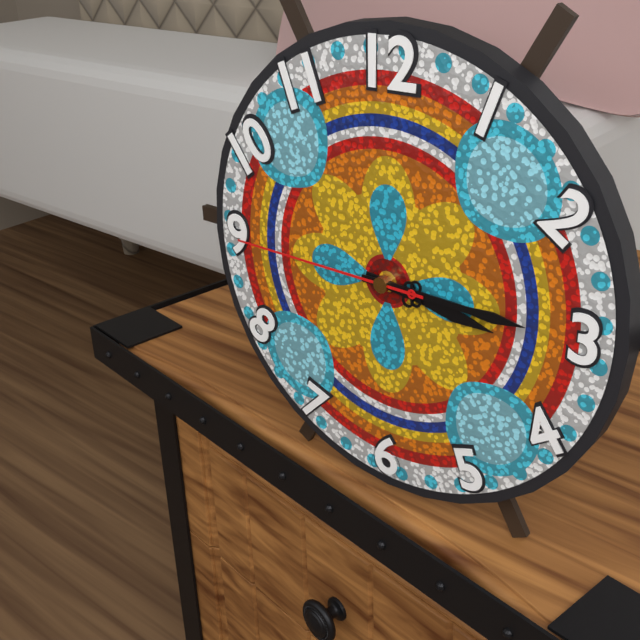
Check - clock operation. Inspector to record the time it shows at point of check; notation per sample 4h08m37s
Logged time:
3h15m45s
